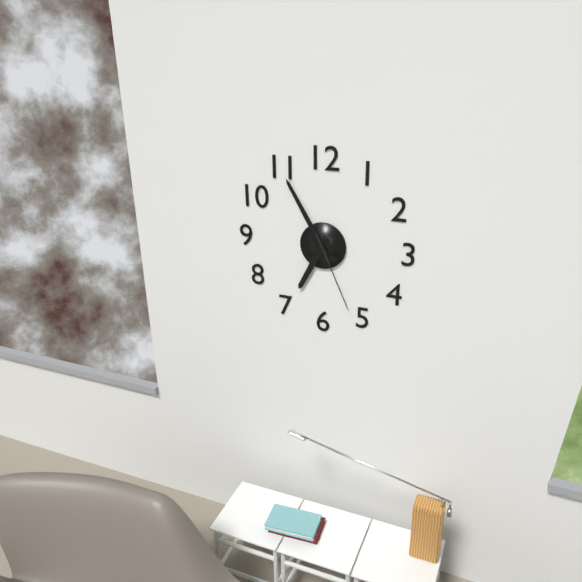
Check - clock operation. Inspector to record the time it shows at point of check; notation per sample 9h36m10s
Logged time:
6h55m26s
